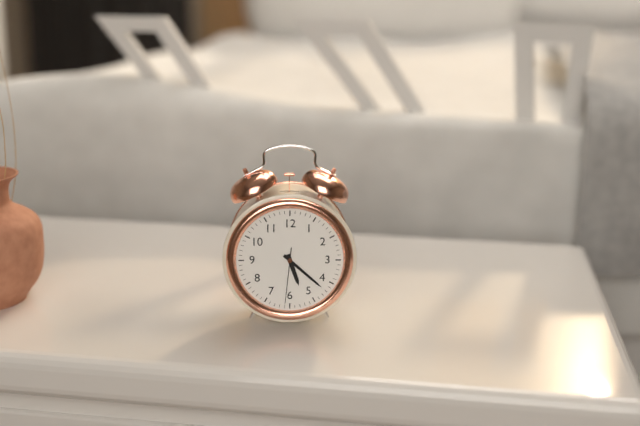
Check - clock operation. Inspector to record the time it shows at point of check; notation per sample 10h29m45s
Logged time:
5h22m31s
